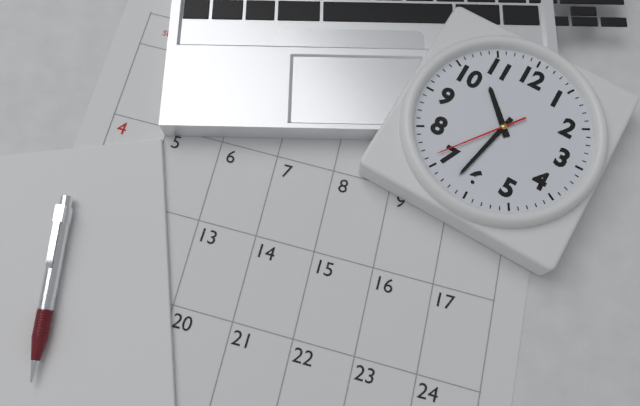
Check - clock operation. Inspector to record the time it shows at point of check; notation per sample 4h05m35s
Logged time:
10h32m36s
